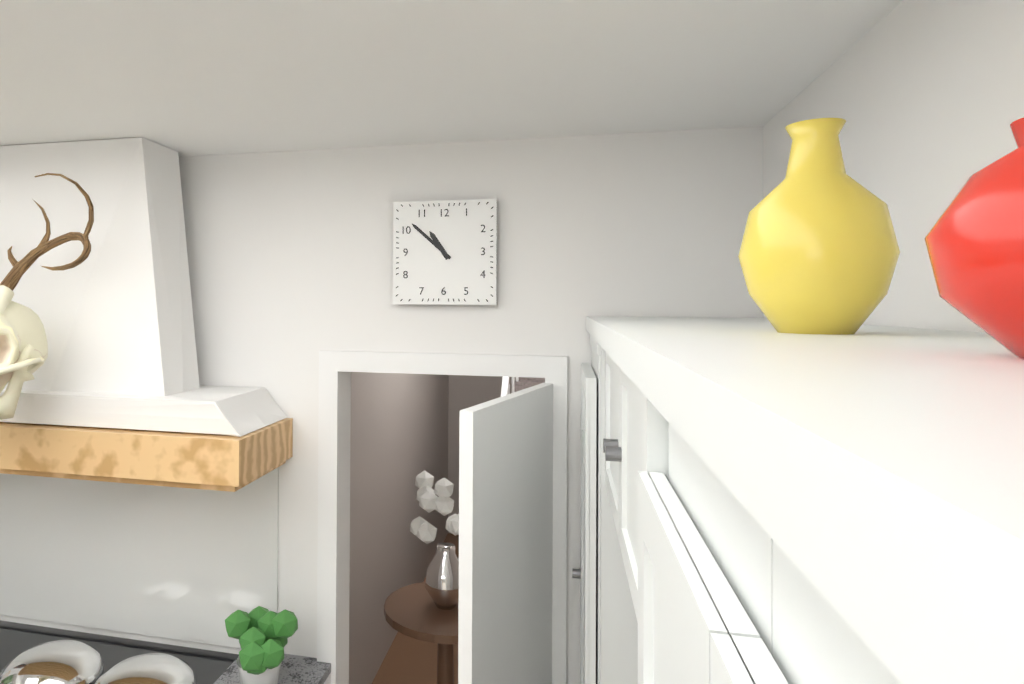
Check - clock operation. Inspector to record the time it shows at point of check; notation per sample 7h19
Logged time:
10h52
